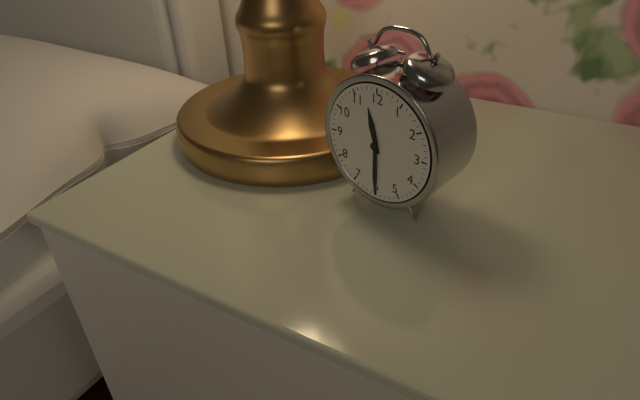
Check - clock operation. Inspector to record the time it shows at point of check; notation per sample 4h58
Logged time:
11h30
